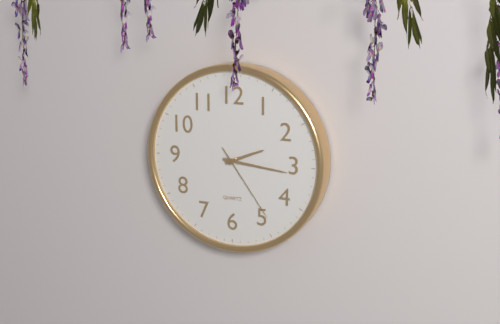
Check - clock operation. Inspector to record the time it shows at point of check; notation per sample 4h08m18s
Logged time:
2h16m24s
